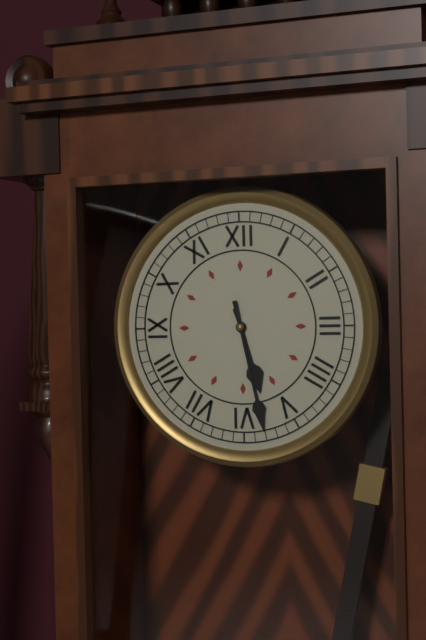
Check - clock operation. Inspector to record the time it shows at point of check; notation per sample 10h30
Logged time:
5h28
